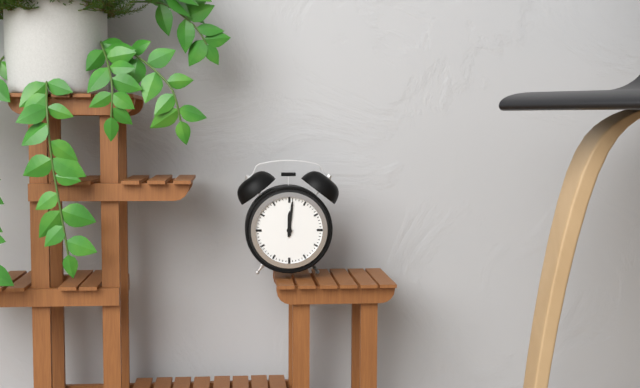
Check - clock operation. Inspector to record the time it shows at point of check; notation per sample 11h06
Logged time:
12h01
